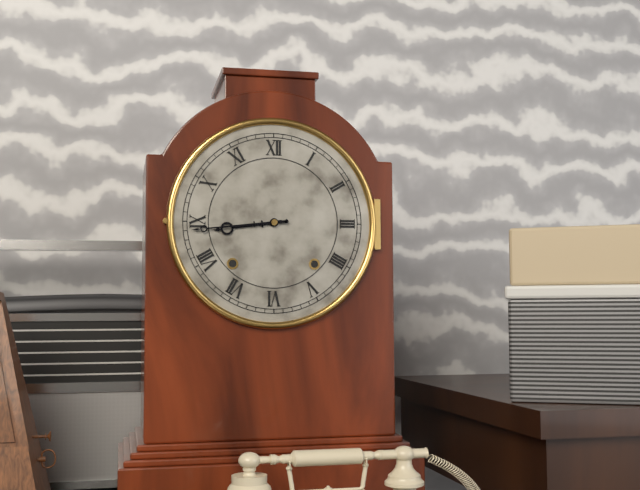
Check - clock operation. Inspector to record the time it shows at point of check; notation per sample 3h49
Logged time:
8h44
